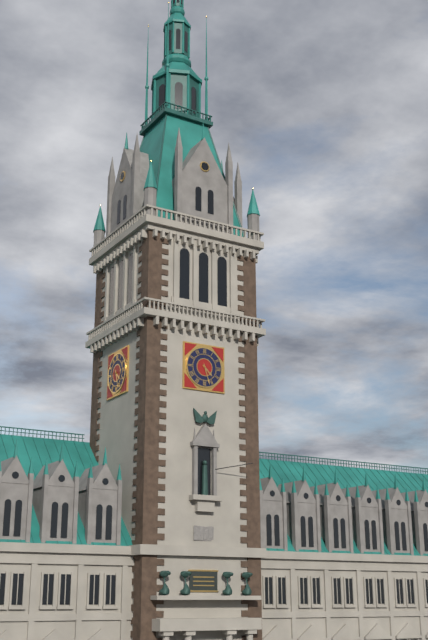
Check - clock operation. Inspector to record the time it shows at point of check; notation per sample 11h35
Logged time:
4h27
